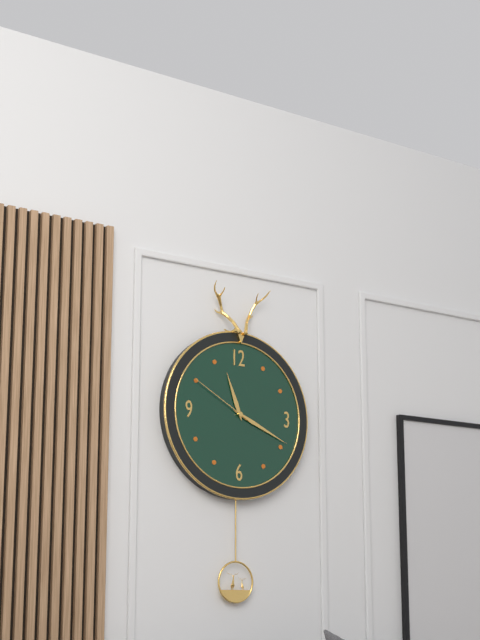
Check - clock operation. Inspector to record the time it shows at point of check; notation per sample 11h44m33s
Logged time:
11h19m50s
